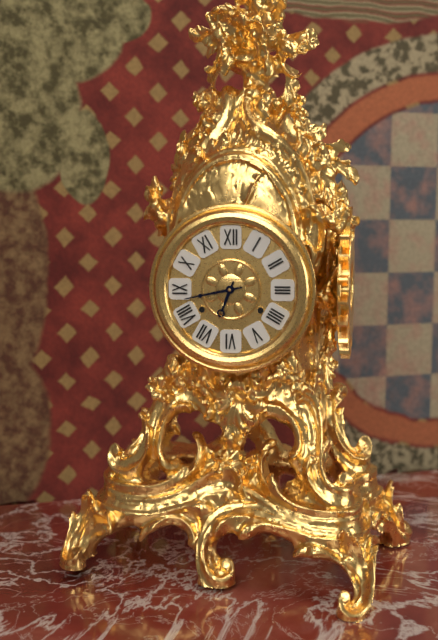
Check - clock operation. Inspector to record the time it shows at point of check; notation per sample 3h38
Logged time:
6h43
